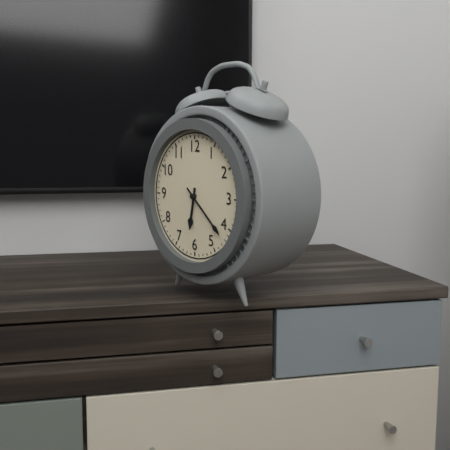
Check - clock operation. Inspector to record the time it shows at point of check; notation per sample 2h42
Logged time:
6h22
